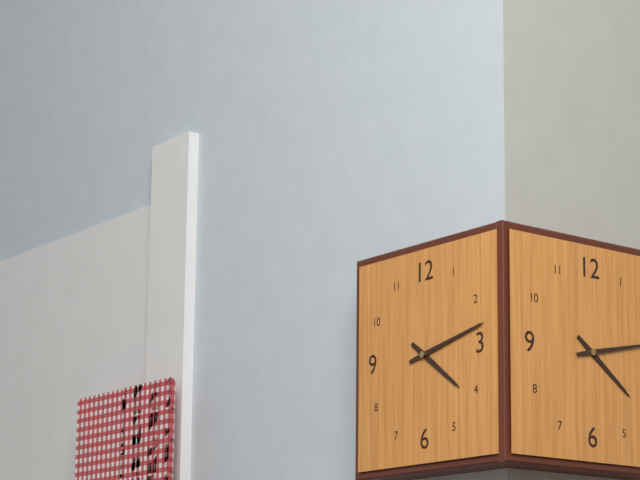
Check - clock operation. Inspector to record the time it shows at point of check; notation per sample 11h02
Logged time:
4h13
